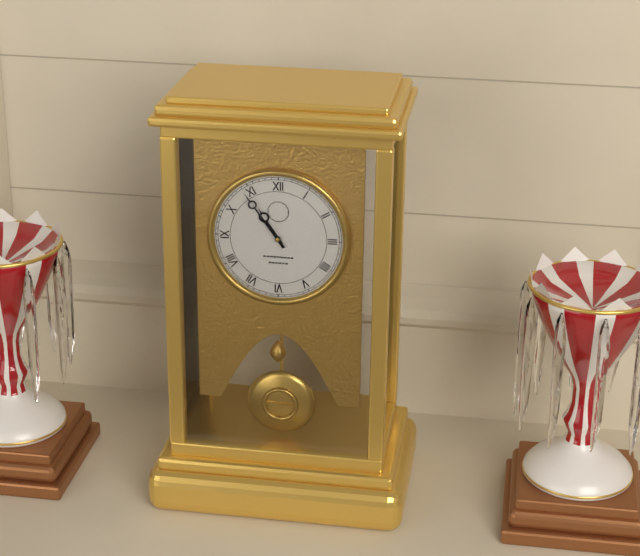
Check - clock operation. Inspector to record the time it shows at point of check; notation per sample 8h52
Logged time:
10h54
